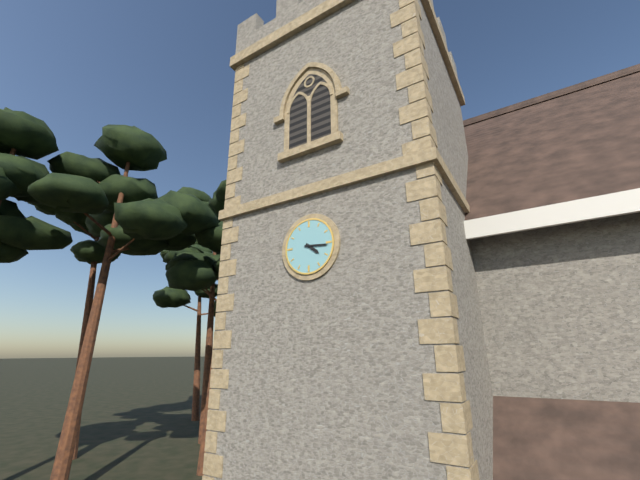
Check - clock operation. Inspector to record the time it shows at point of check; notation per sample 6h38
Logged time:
4h16
